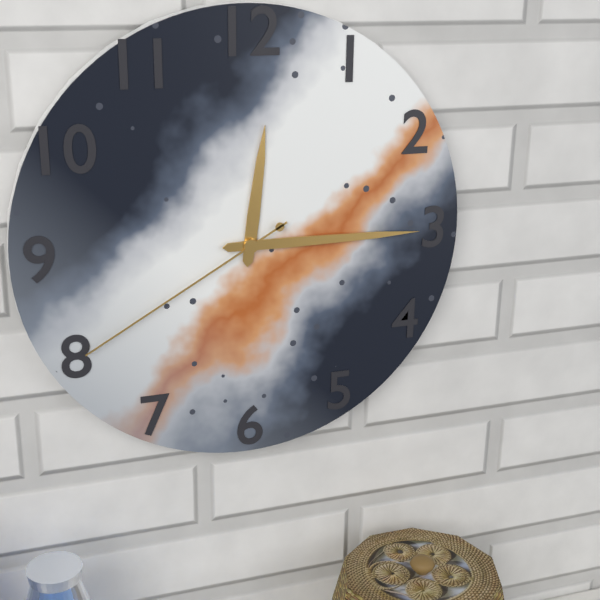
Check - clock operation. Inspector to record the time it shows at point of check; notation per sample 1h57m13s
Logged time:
12h15m40s
